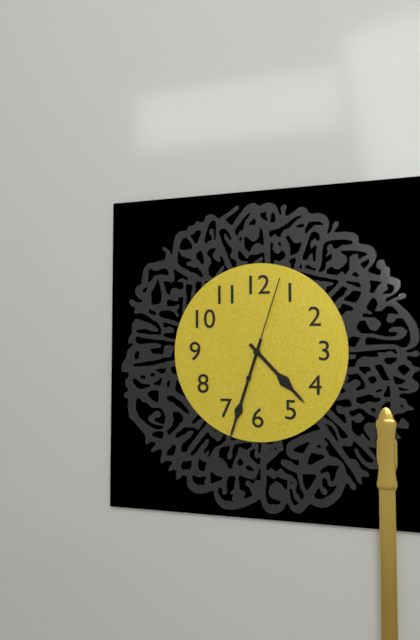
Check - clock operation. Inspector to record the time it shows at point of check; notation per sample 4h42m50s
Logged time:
4h33m03s
